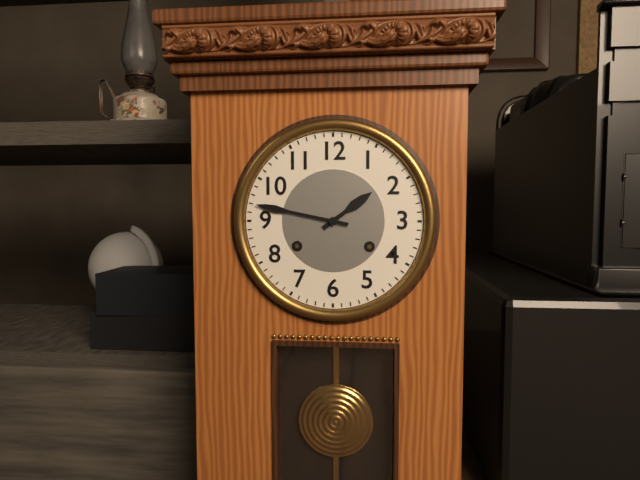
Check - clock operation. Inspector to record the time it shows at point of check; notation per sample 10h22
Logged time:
1h47
